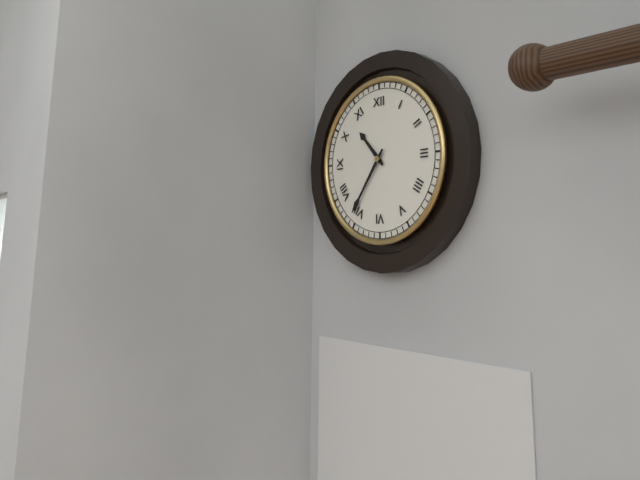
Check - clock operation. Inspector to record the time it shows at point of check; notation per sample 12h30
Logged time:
10h36
